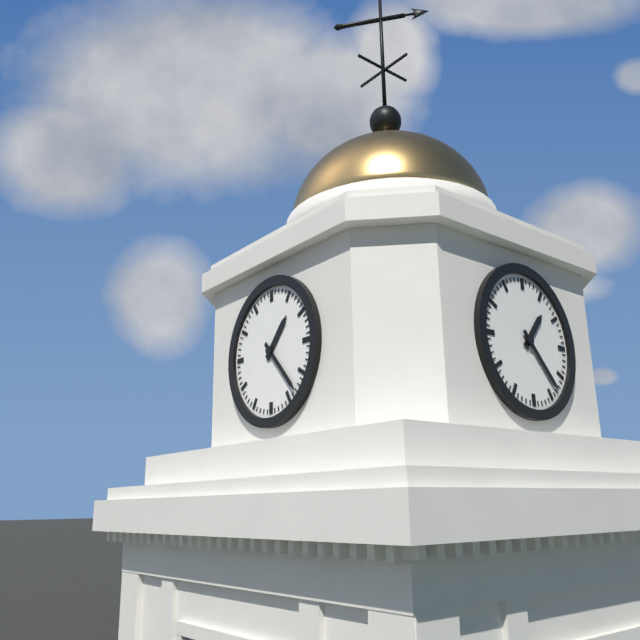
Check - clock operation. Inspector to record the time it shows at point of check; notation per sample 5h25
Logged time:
1h23
